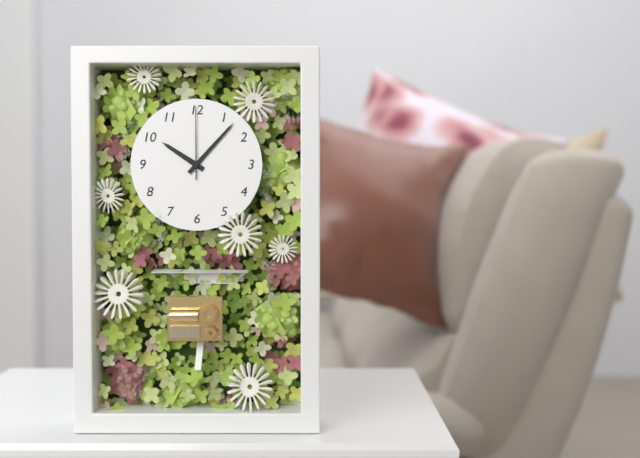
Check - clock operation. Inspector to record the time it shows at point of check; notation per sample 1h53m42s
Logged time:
10h07m00s
